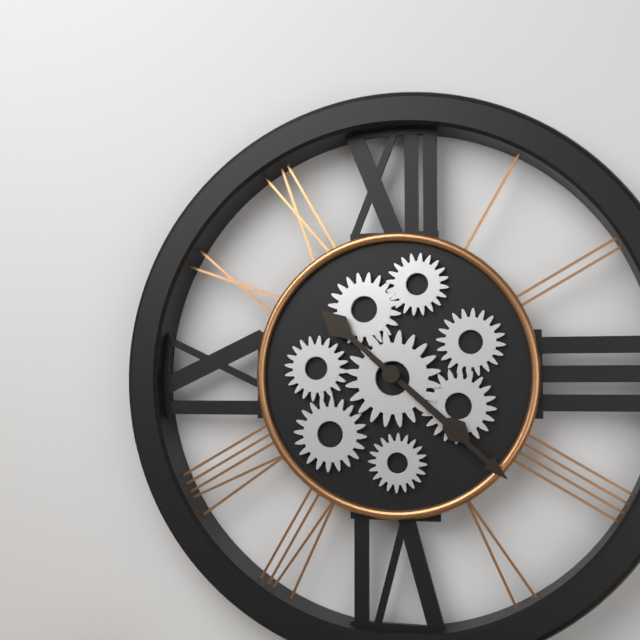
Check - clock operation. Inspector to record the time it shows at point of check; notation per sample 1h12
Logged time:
4h22
